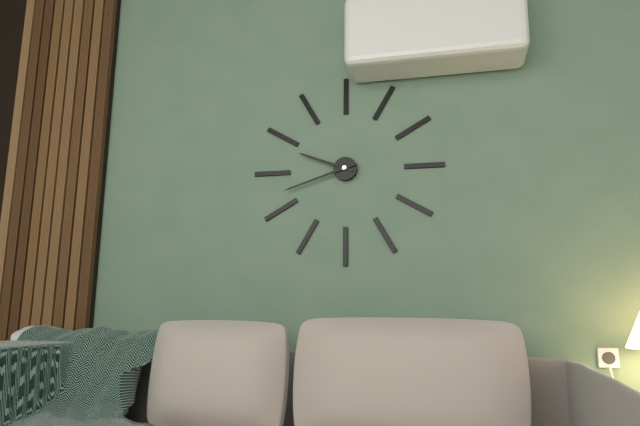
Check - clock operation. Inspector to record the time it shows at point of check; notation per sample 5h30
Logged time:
9h42
